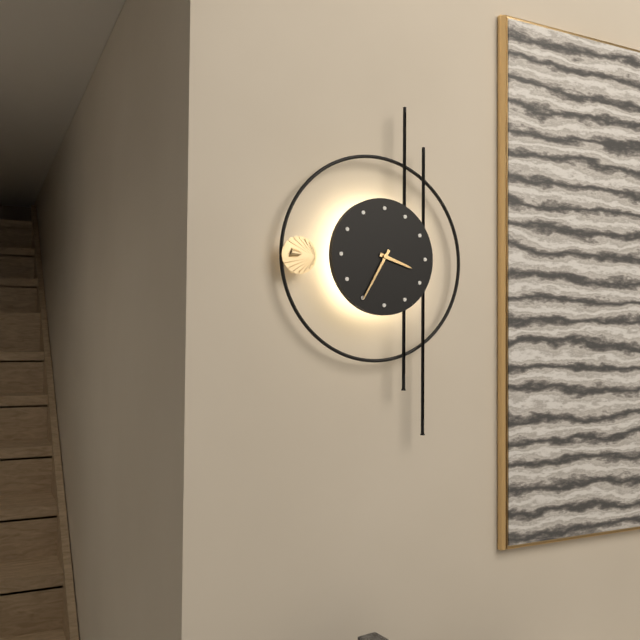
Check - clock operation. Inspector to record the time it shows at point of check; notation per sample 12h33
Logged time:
3h35
